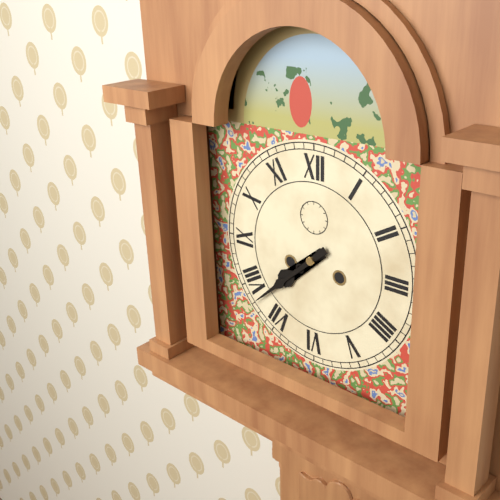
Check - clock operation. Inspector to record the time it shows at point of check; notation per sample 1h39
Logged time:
7h38
